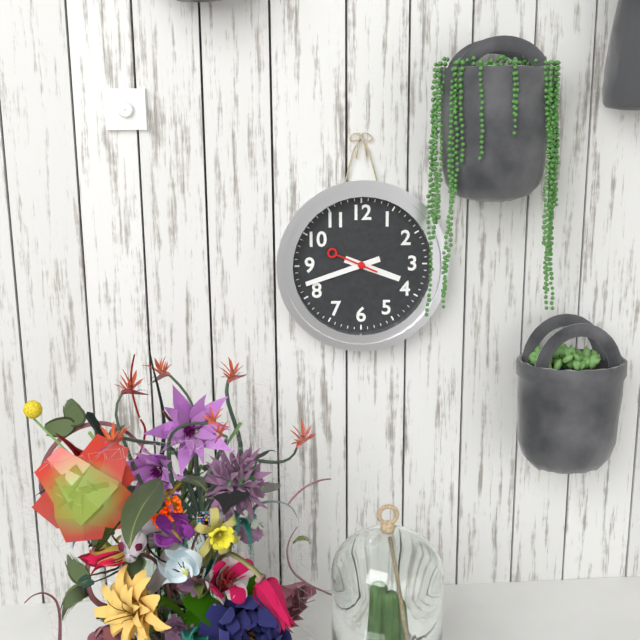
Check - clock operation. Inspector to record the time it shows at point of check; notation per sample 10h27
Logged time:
3h42
